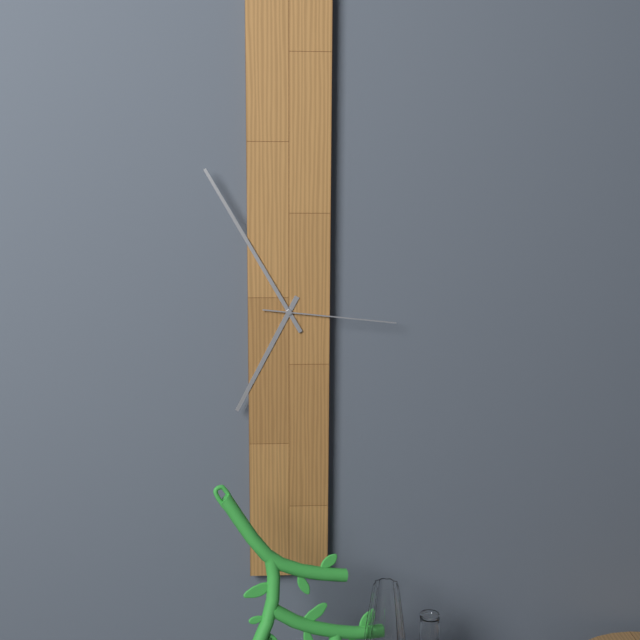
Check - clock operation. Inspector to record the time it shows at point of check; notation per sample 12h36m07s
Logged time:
6h55m16s
